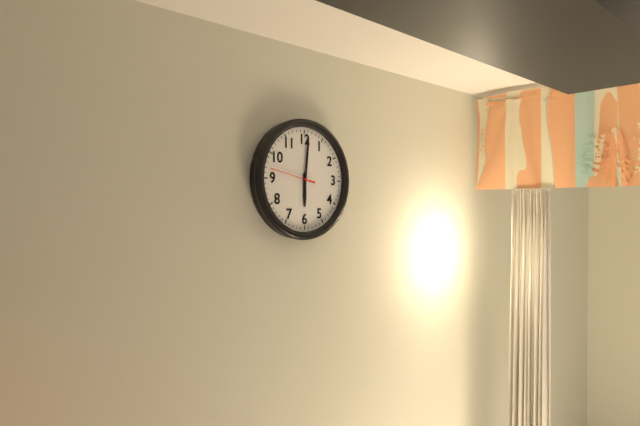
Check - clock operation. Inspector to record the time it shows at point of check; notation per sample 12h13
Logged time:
6h01
